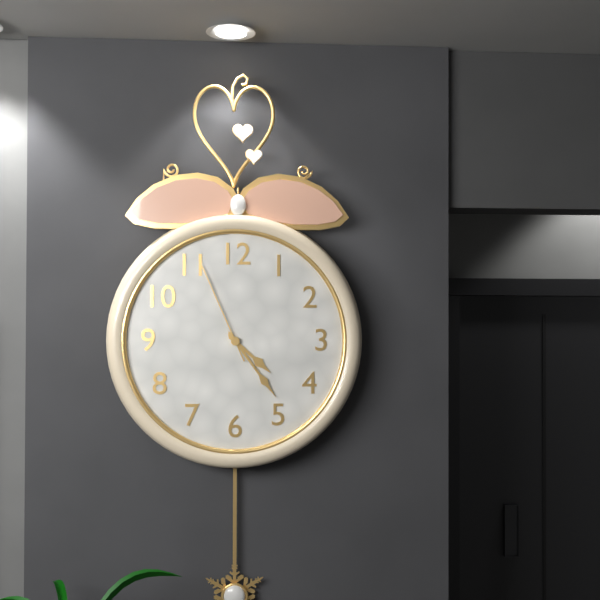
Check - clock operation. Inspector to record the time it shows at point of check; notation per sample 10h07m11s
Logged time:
4h24m56s
